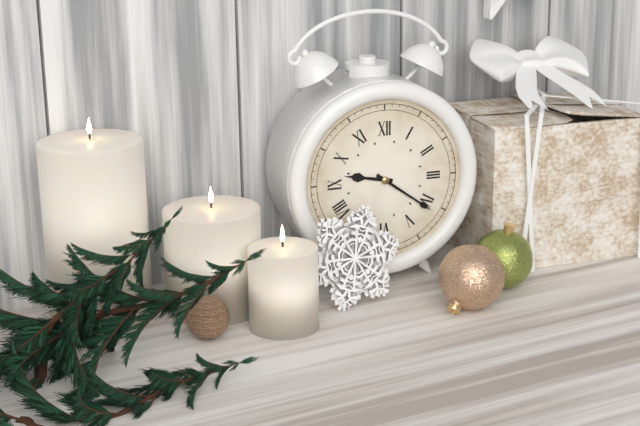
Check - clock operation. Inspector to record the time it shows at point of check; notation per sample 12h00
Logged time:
9h21
